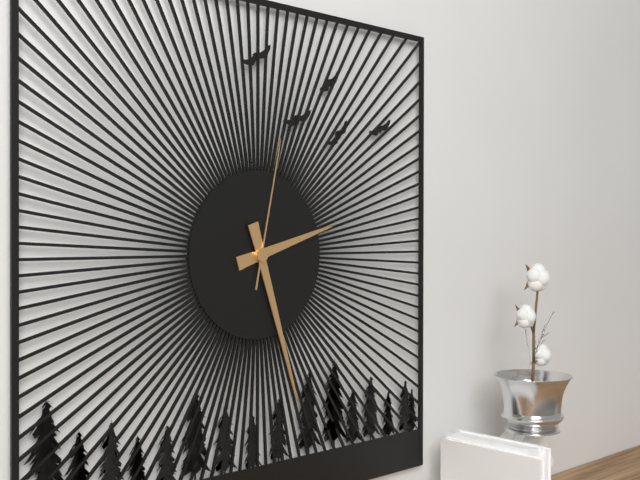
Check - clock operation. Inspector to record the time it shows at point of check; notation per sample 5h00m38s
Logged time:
2h27m02s
